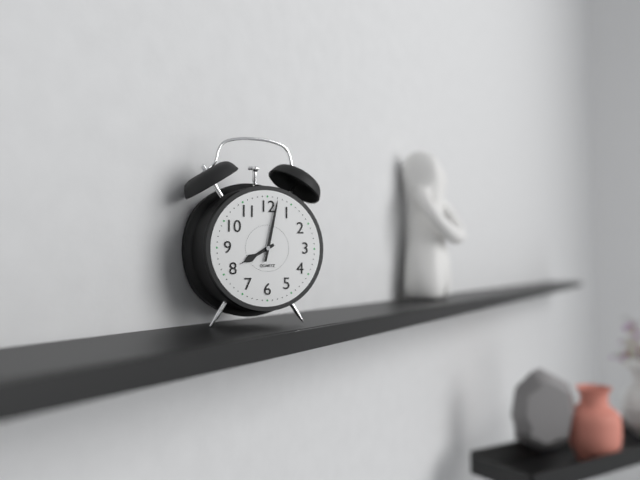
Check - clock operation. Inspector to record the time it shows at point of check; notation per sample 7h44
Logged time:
8h02
